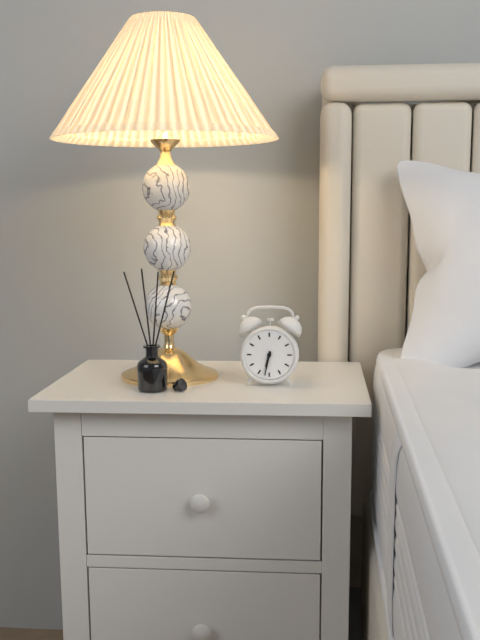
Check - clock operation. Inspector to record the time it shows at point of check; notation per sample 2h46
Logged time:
6h32
